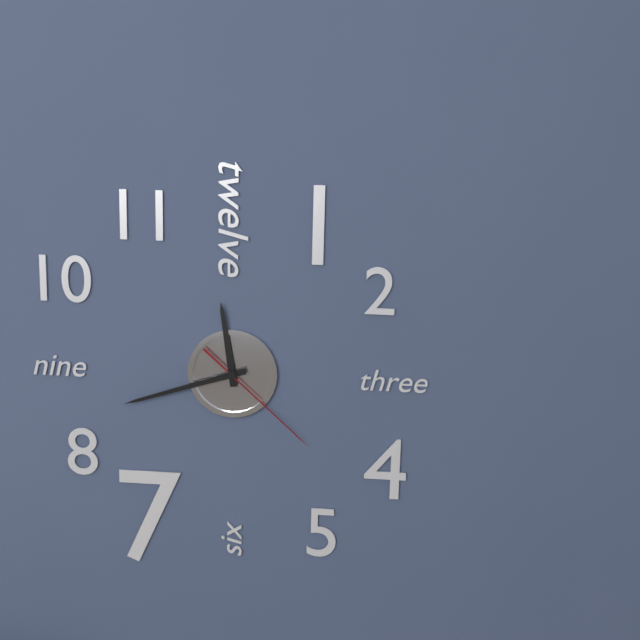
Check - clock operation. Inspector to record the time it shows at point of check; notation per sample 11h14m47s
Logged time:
11h42m22s
